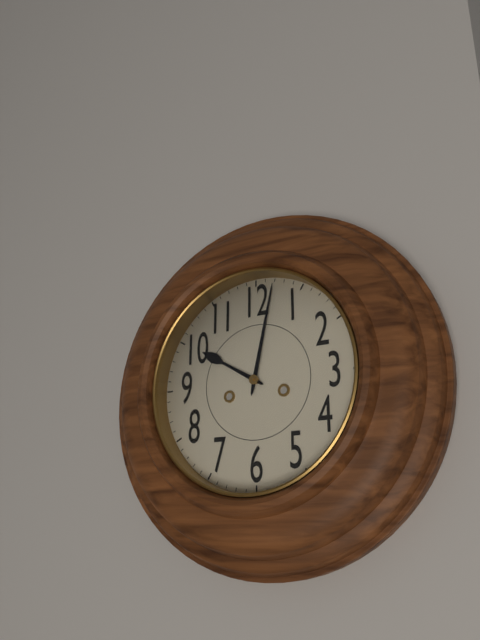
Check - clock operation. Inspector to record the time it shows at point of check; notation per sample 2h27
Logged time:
10h02
